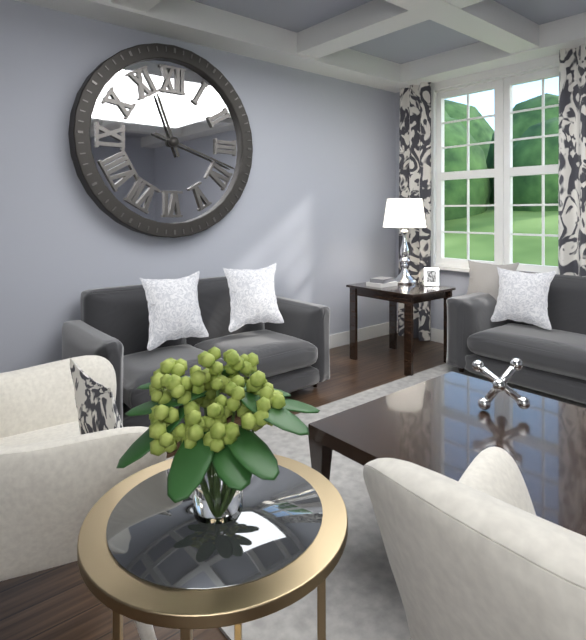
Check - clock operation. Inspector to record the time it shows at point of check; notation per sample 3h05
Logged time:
11h18
